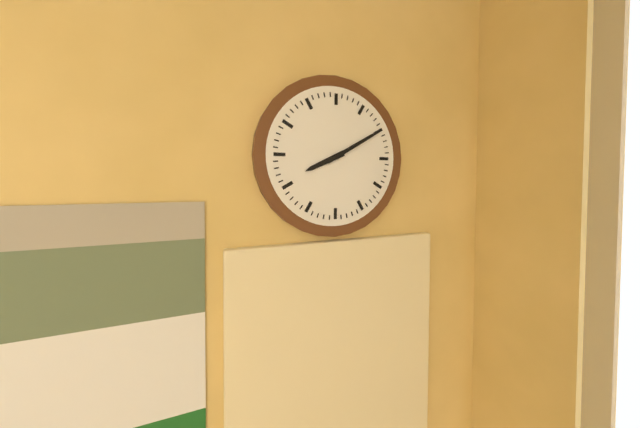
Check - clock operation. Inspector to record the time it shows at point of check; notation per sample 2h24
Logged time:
8h10
